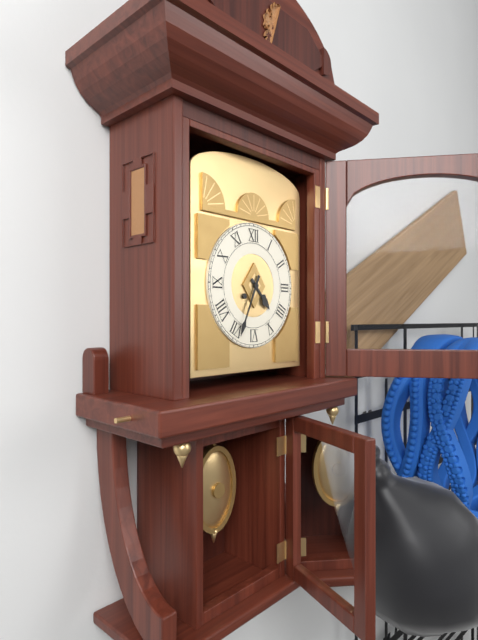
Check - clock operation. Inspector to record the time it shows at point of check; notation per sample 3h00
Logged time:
4h34
